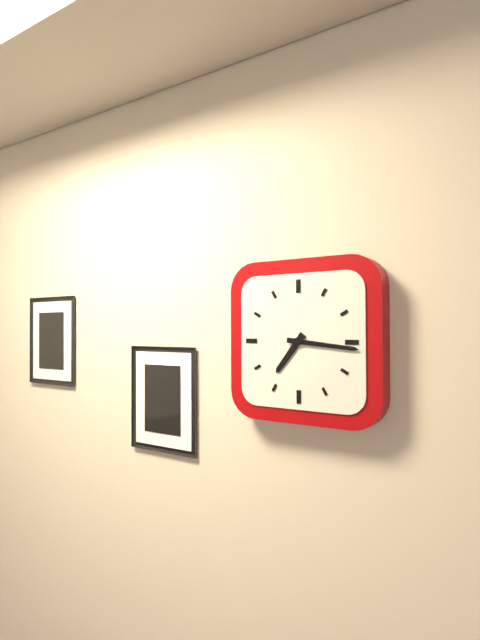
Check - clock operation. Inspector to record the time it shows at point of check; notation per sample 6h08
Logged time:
7h16
